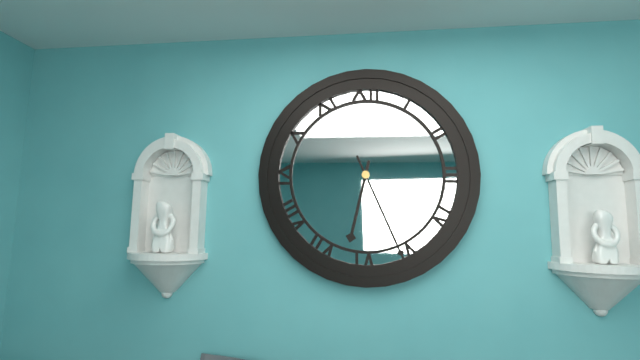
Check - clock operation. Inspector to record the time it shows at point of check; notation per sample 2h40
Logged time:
6h26
